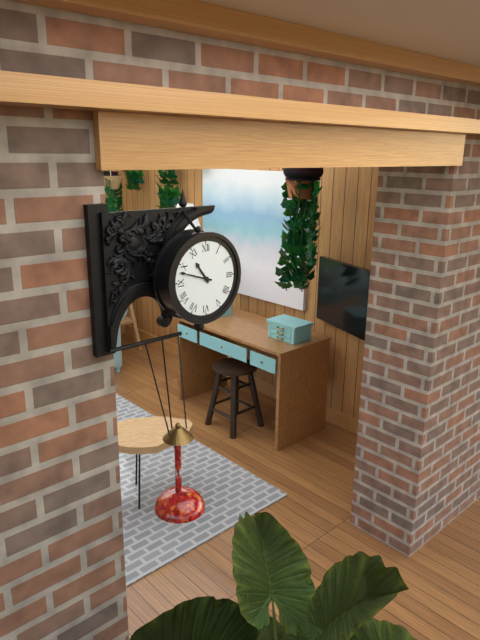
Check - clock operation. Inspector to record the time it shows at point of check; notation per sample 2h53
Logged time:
10h48
